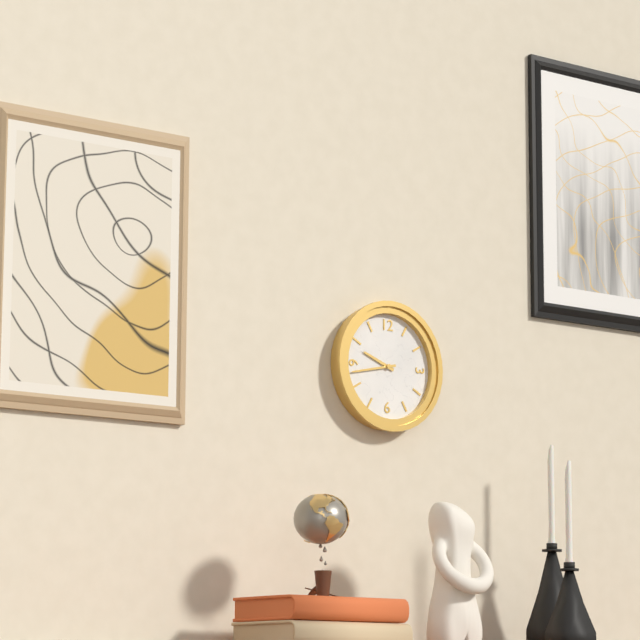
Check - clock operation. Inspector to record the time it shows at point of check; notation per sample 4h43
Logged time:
9h43
